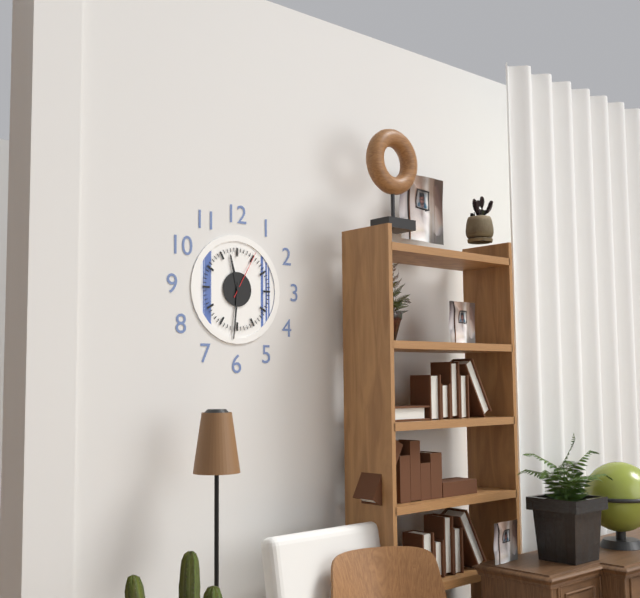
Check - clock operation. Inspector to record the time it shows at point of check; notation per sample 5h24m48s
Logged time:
11h31m05s
